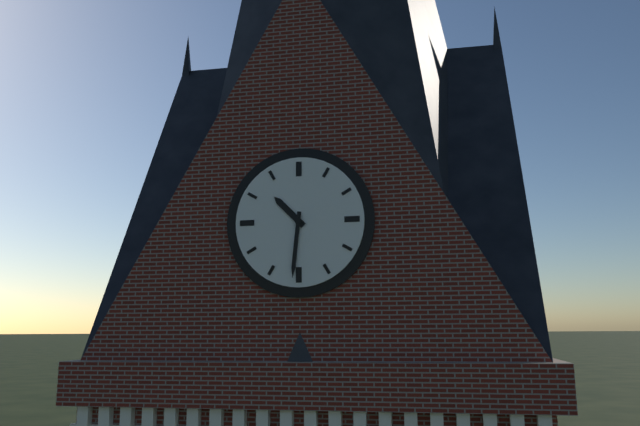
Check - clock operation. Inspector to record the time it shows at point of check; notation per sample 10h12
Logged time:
10h31
